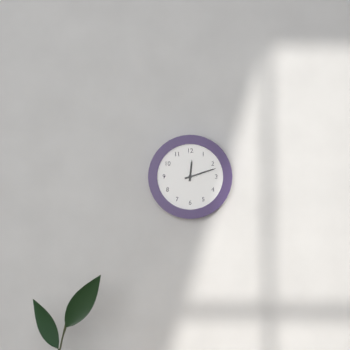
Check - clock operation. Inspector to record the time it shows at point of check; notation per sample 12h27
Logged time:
12h12
